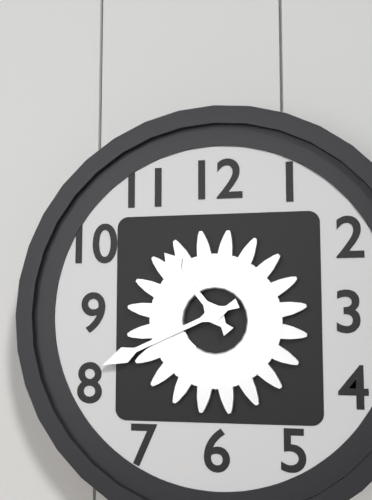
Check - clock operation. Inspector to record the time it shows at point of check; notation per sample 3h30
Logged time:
10h41
